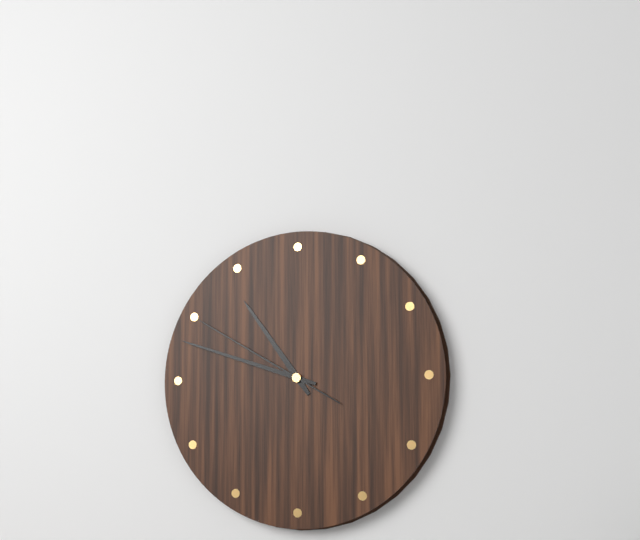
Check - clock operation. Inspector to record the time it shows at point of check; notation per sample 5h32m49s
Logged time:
10h48m50s
